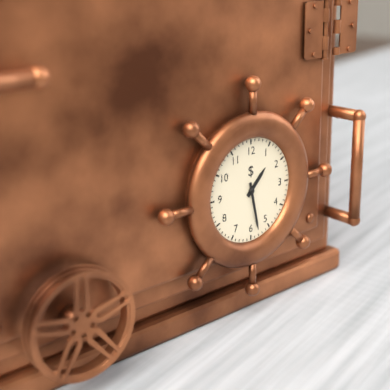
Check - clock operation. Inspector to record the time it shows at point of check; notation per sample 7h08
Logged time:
1h28
